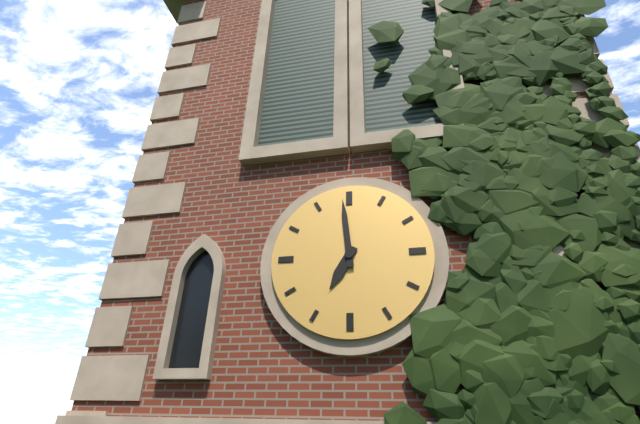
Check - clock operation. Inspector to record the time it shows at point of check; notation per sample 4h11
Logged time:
6h59
